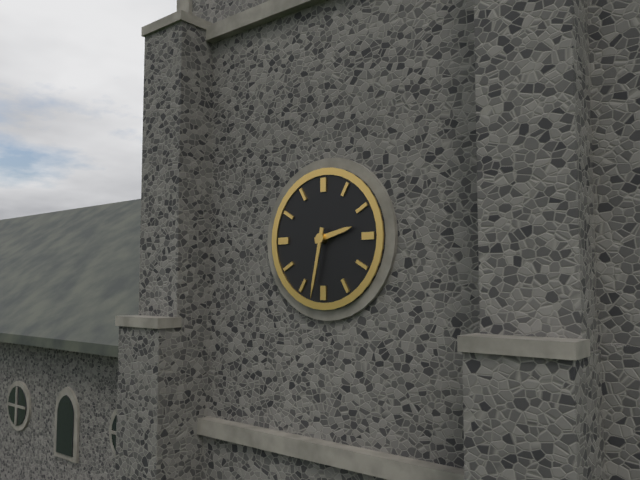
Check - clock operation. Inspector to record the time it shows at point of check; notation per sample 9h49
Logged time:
2h32
